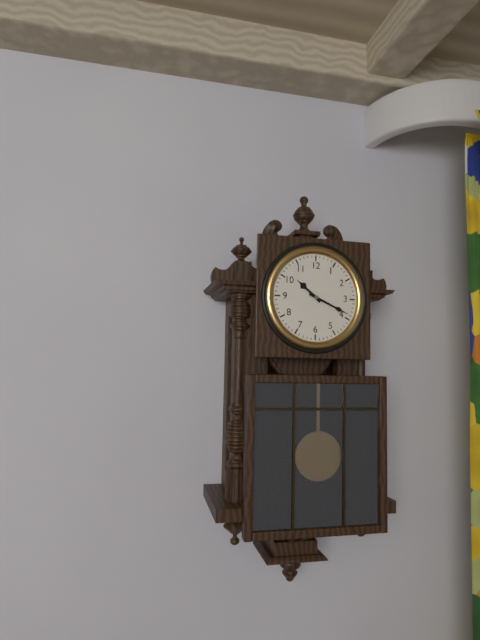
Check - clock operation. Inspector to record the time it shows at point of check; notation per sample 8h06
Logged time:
10h19
